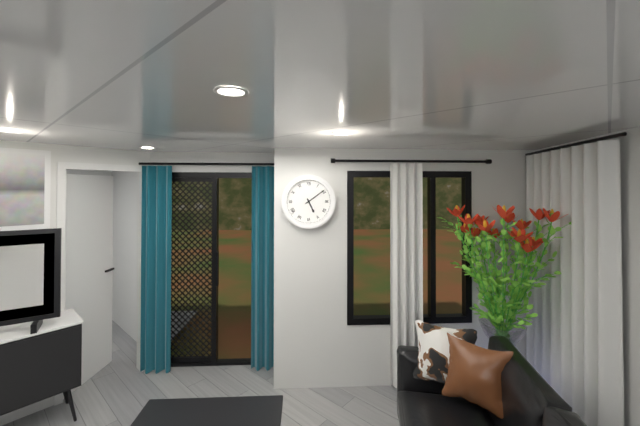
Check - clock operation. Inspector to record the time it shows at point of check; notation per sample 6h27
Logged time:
5h09
